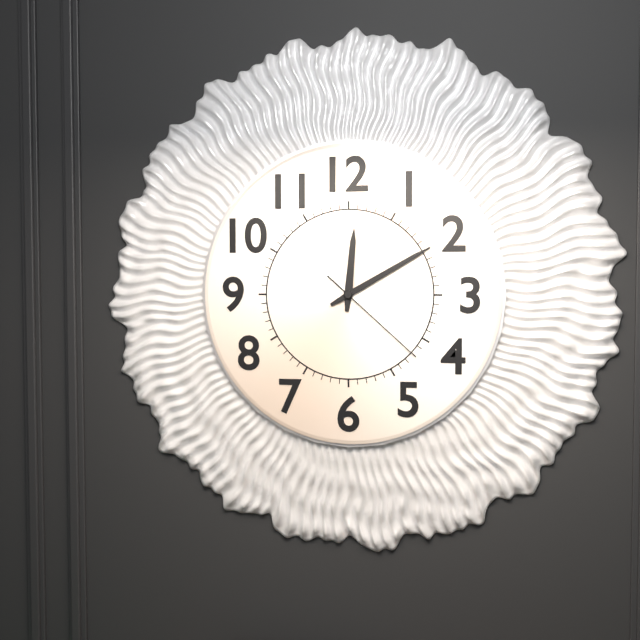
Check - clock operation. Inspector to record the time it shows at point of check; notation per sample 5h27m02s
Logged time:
12h10m22s
